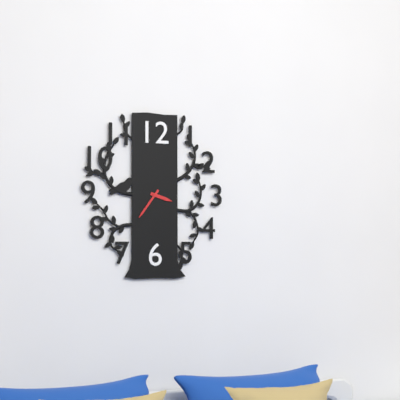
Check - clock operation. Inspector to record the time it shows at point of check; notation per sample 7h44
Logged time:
3h36
